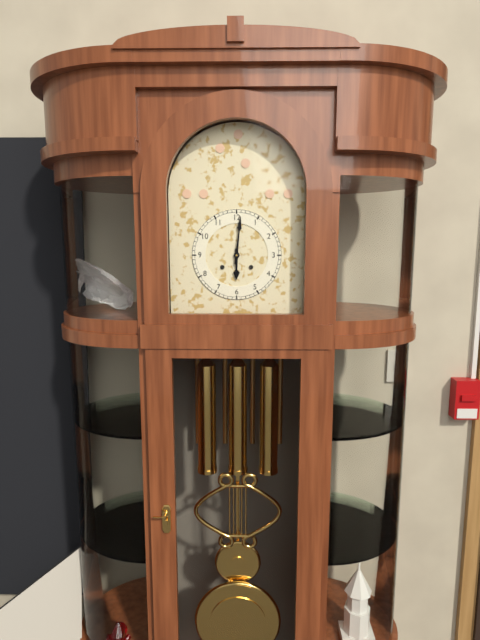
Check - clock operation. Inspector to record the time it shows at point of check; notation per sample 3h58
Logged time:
6h01
